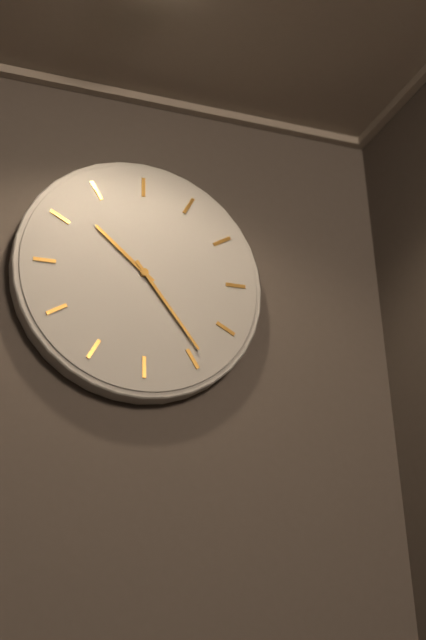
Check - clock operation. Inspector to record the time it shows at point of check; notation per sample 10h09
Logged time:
10h24
